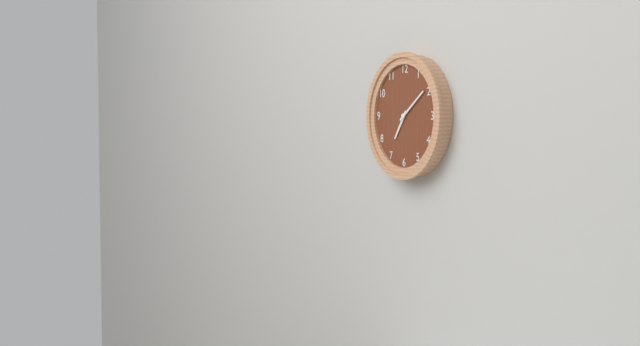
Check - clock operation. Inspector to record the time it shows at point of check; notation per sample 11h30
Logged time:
7h09
